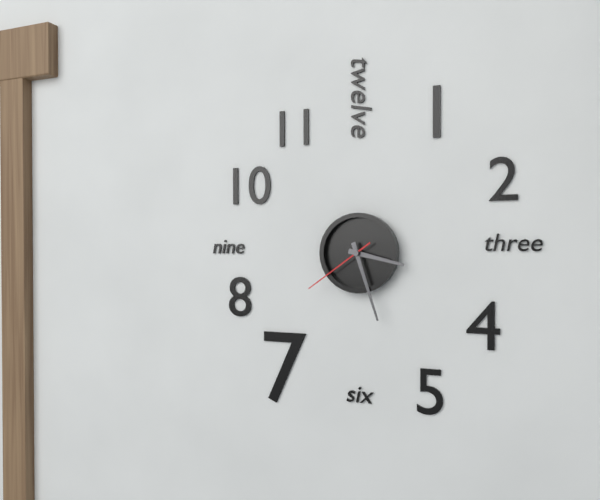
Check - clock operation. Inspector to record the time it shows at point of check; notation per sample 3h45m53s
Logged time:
3h27m39s
